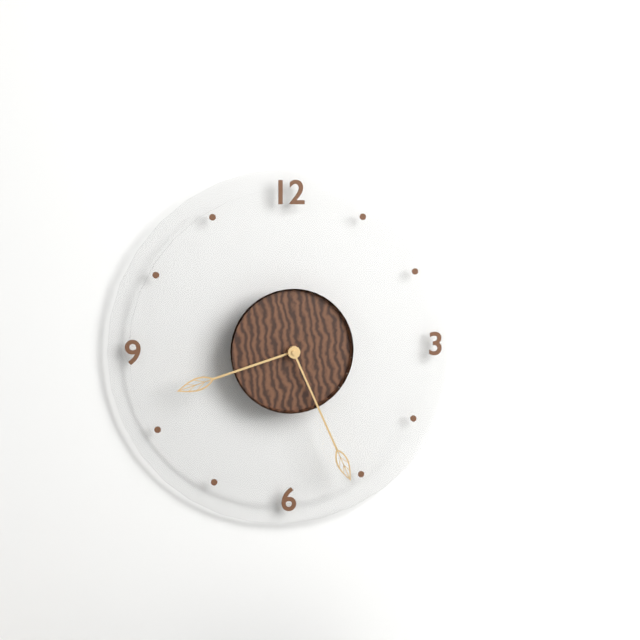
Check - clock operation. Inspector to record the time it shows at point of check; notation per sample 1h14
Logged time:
8h26
